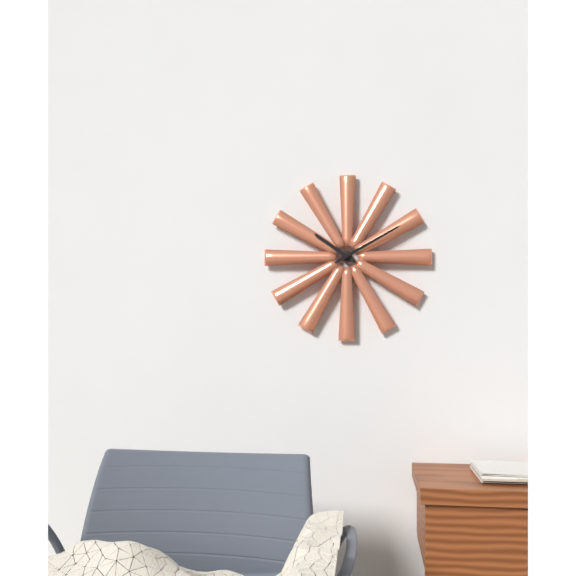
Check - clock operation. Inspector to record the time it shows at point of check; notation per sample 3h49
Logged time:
10h10
